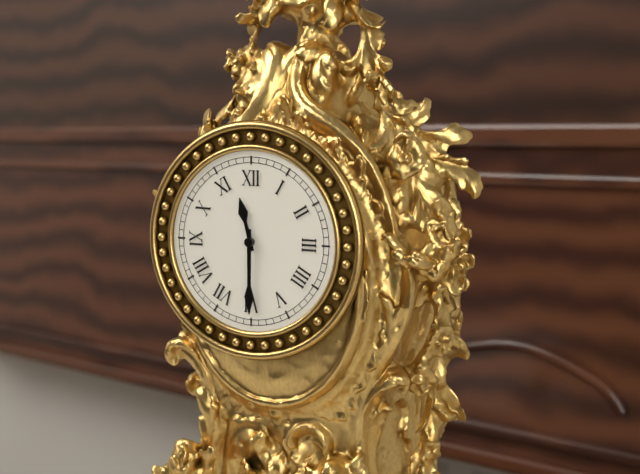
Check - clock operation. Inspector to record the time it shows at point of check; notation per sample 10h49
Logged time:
11h30
